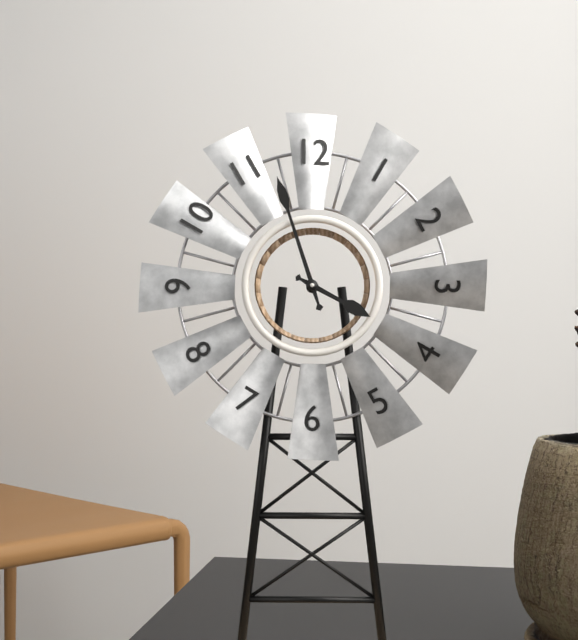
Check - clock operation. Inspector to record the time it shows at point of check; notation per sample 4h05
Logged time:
3h57
